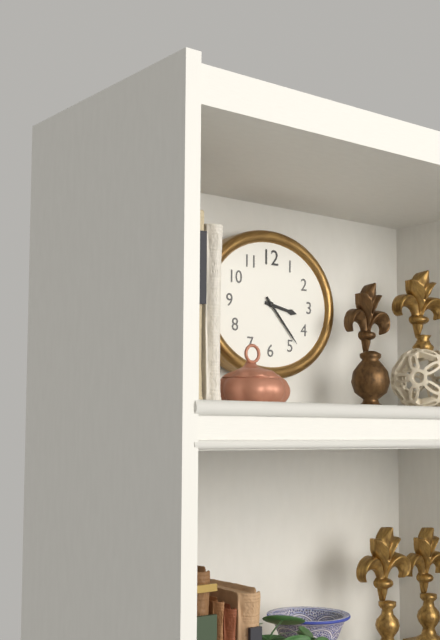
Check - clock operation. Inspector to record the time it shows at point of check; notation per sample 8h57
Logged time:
3h23
